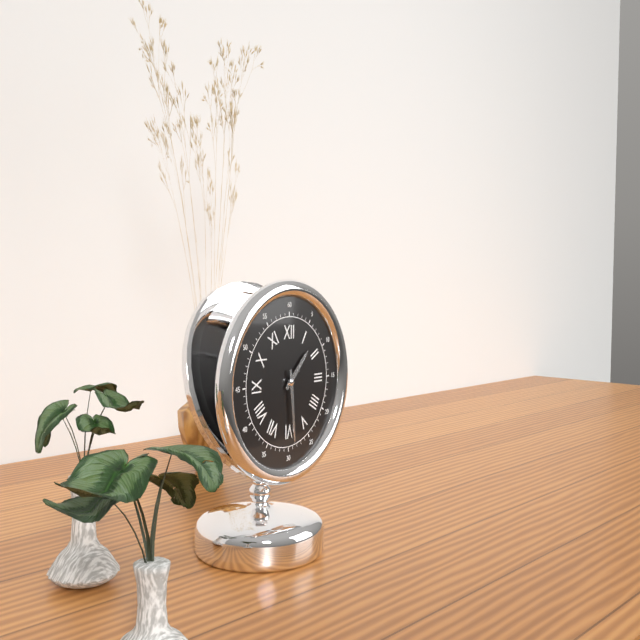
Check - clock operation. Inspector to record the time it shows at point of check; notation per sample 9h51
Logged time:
1h29
